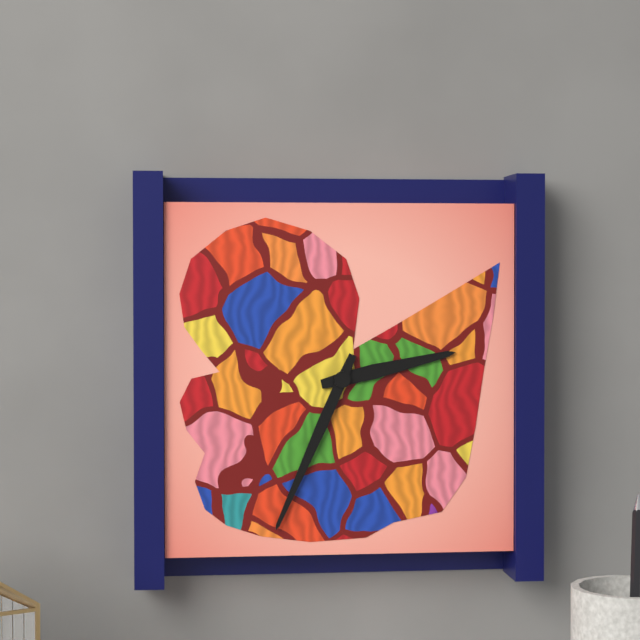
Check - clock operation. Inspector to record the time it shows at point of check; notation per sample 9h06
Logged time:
2h34
